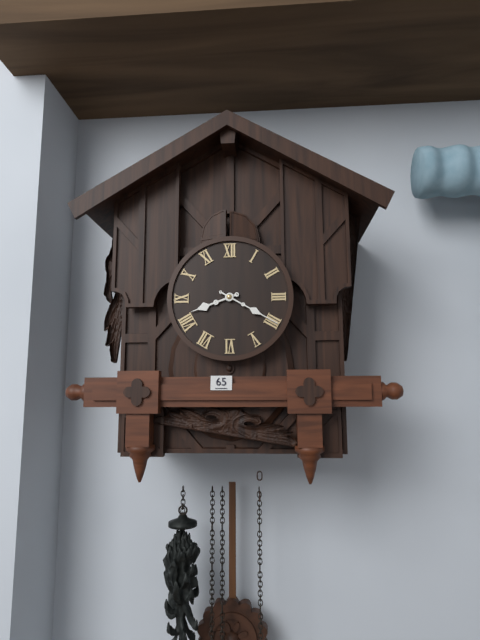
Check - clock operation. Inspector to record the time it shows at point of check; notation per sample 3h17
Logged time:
8h20
